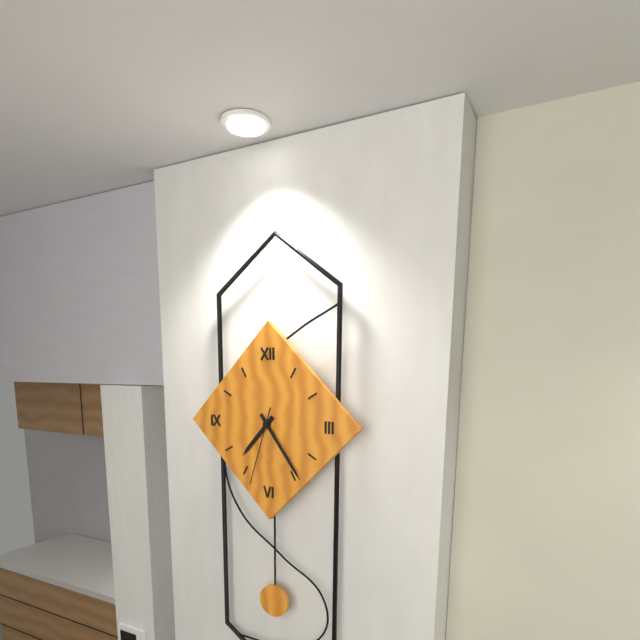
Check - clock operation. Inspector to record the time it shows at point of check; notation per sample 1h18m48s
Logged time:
7h24m33s
